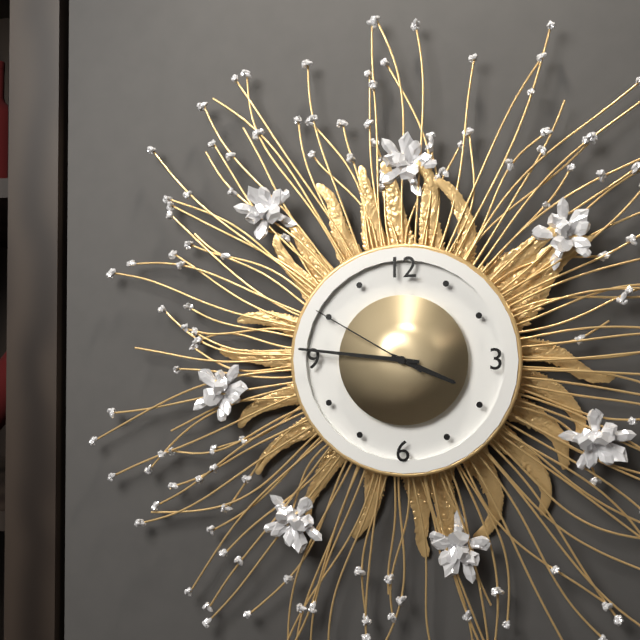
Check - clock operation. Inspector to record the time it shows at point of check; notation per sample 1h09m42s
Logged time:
3h46m50s
